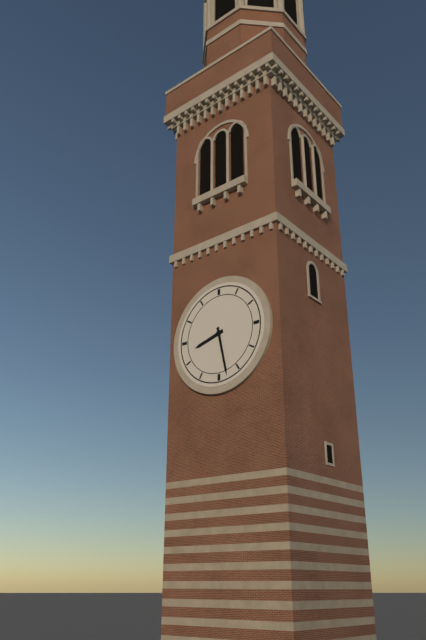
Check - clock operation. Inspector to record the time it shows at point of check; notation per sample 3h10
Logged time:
8h28
